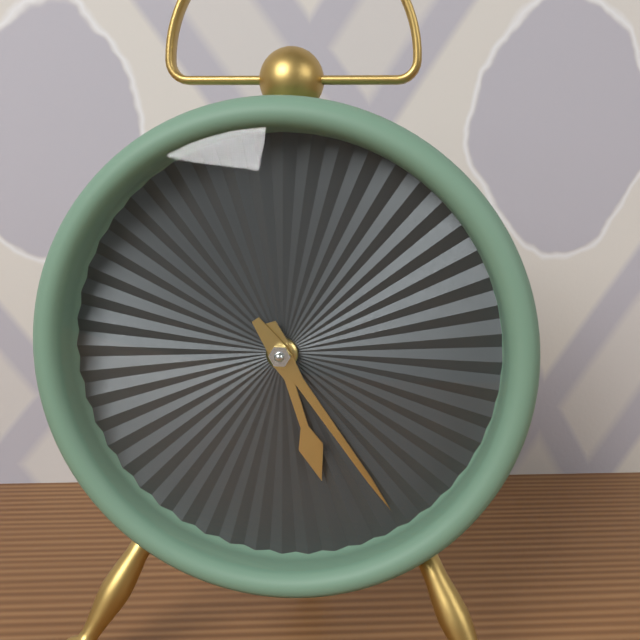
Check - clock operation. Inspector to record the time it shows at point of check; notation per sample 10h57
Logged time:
5h24
